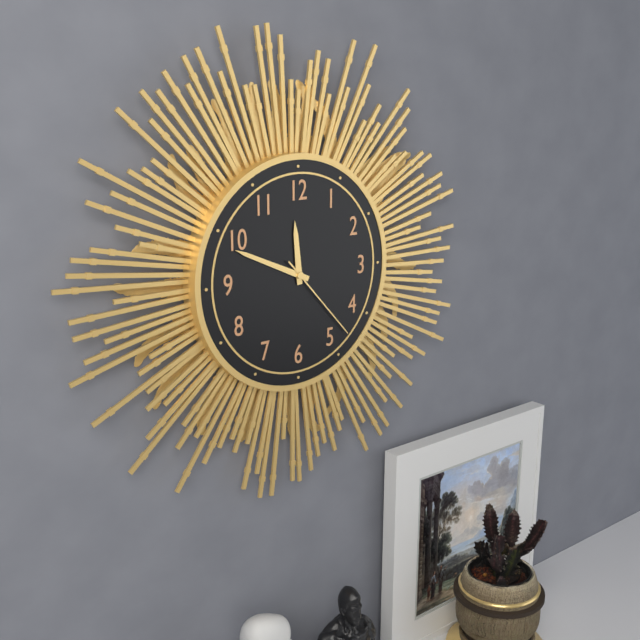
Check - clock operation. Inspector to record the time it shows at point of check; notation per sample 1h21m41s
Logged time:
11h49m23s
